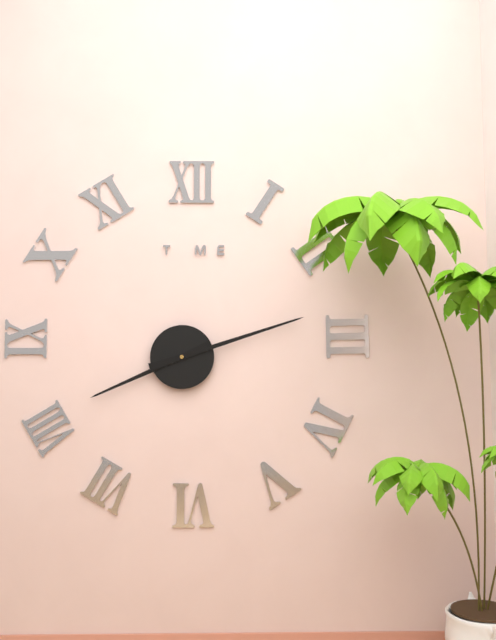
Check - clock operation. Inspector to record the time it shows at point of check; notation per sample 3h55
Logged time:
8h12
